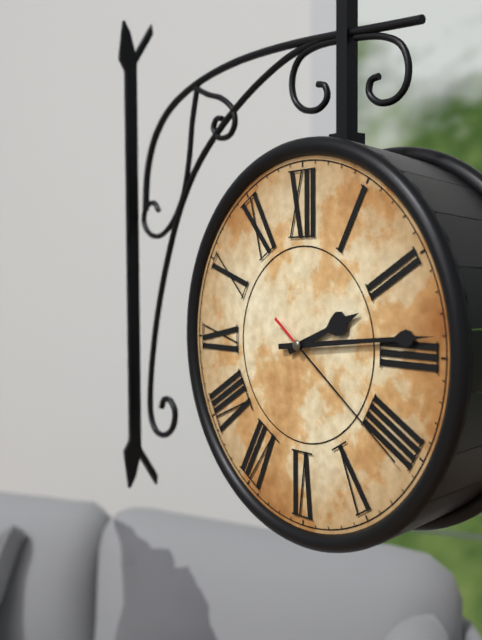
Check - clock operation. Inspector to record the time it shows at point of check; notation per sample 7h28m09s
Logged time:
2h14m21s
